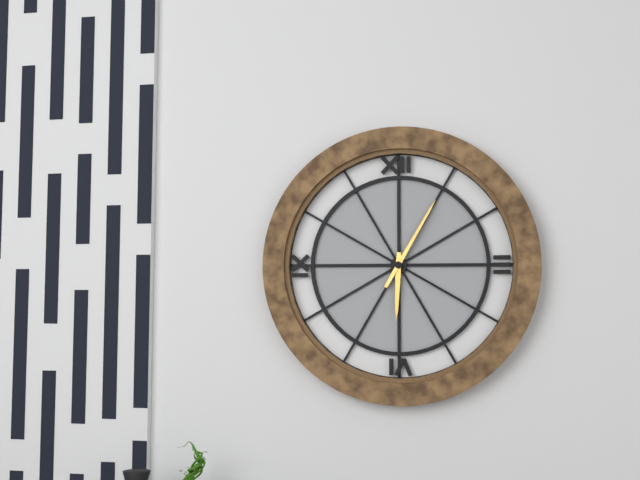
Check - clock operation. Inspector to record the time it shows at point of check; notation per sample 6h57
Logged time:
6h05
